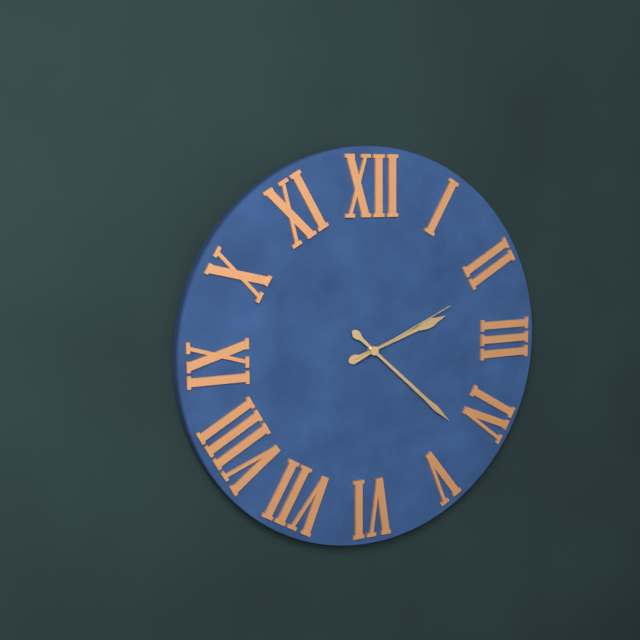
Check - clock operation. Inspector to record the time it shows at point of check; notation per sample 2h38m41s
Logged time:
2h22m11s
